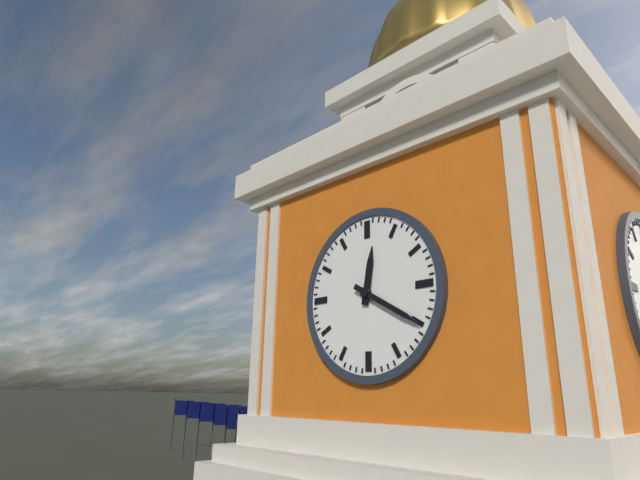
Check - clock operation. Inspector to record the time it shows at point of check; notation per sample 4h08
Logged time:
12h20
